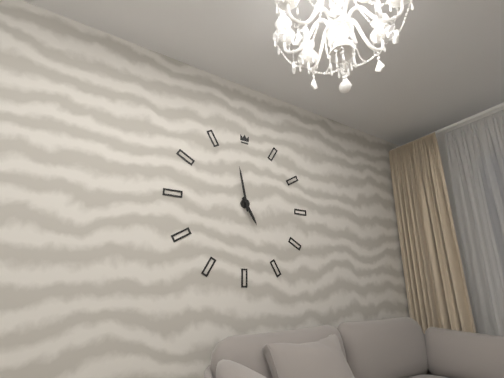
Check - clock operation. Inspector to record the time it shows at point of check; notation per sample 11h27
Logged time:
4h58
